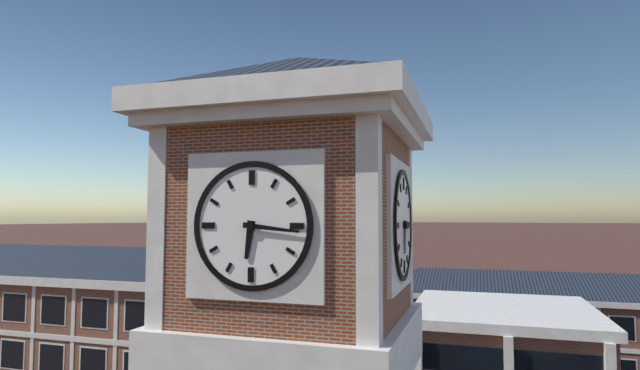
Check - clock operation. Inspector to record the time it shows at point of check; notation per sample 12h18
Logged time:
6h16
